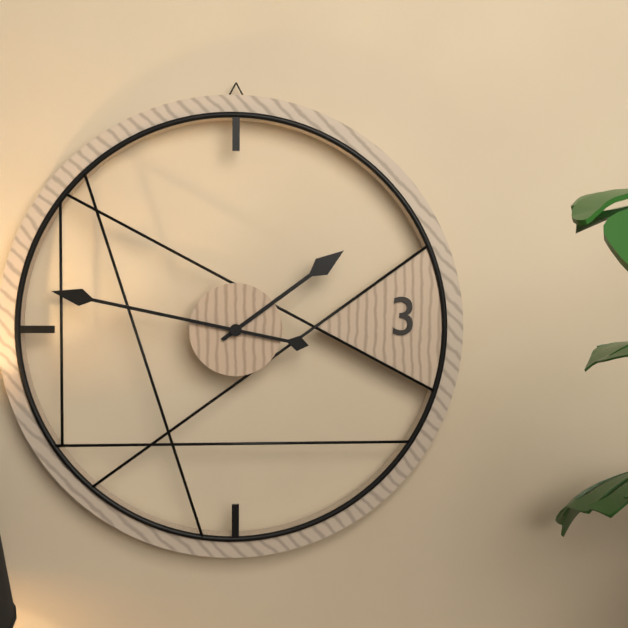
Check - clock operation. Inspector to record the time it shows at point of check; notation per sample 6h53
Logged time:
1h47
